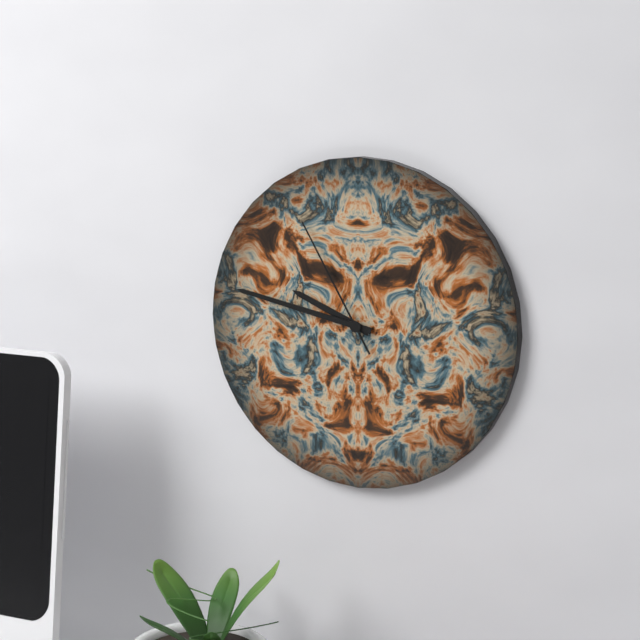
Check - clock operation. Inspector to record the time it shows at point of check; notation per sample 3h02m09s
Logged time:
9h47m55s
